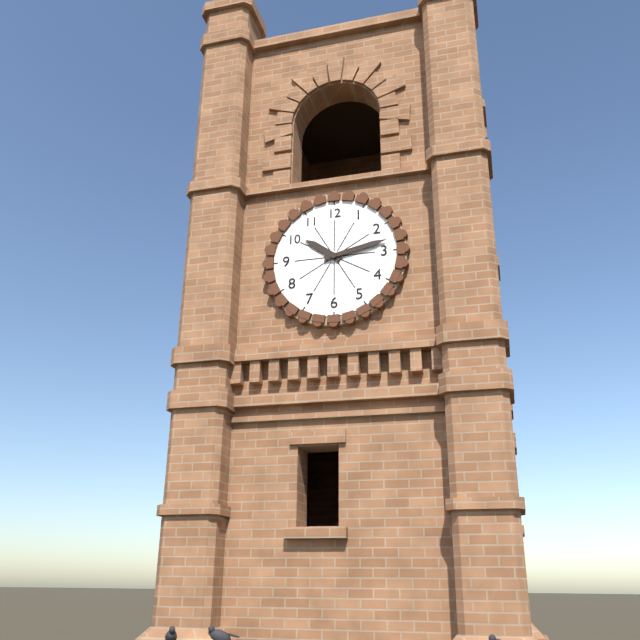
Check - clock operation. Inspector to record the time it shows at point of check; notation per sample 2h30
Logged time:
10h13
